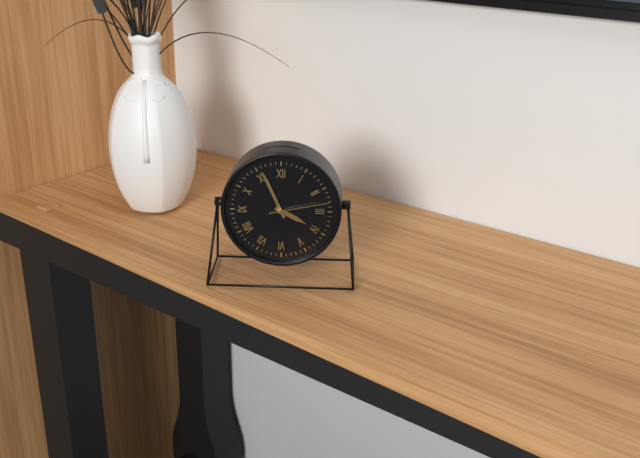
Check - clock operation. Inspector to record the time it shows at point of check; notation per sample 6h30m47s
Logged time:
3h56m13s
